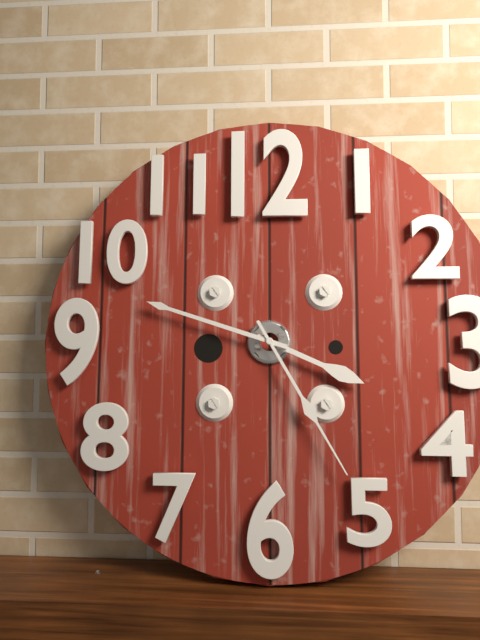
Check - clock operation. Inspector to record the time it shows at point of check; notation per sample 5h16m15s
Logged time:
3h48m25s
